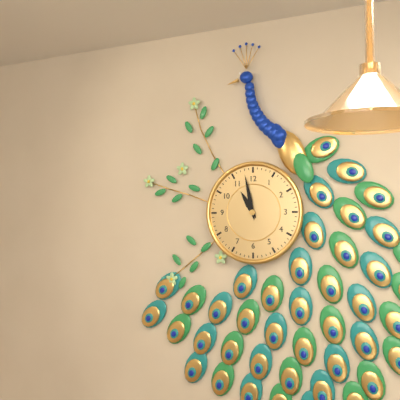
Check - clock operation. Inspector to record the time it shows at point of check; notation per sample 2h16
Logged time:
10h58
